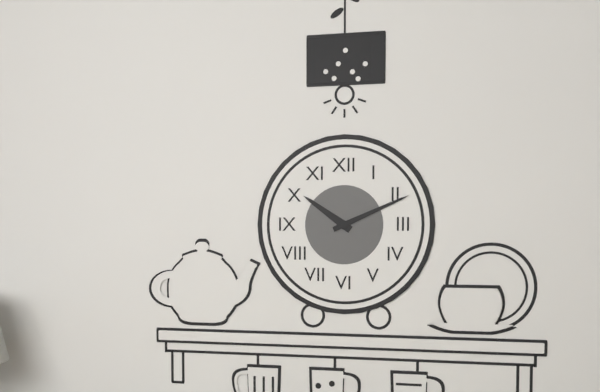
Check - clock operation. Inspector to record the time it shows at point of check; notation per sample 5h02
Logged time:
10h11
